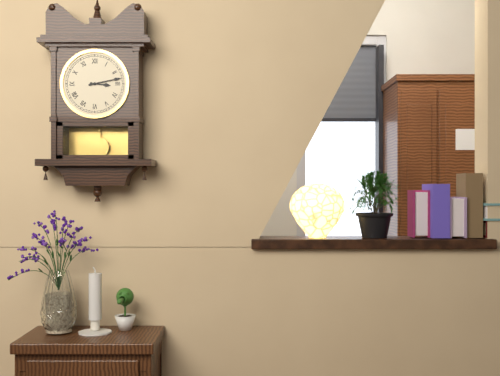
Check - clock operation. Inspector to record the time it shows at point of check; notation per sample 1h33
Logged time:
3h13
